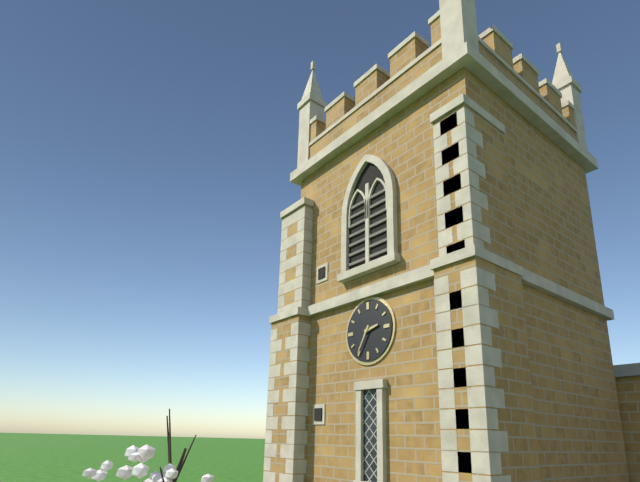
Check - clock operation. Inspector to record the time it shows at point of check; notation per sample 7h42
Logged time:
2h35
